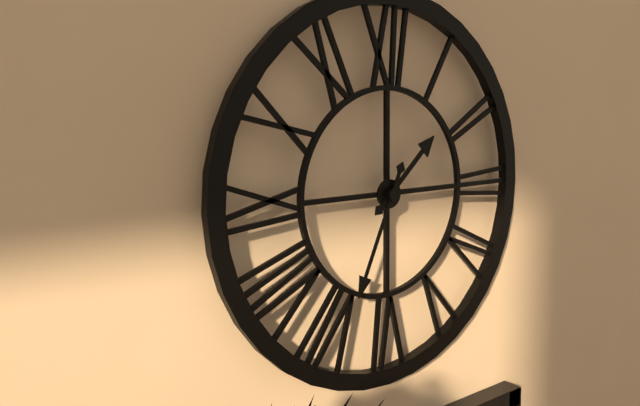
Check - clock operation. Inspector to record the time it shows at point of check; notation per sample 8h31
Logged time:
1h34
